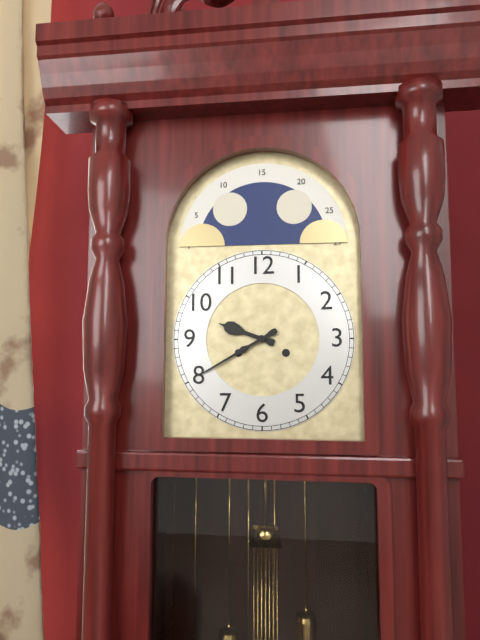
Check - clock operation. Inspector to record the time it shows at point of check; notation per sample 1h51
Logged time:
9h40
